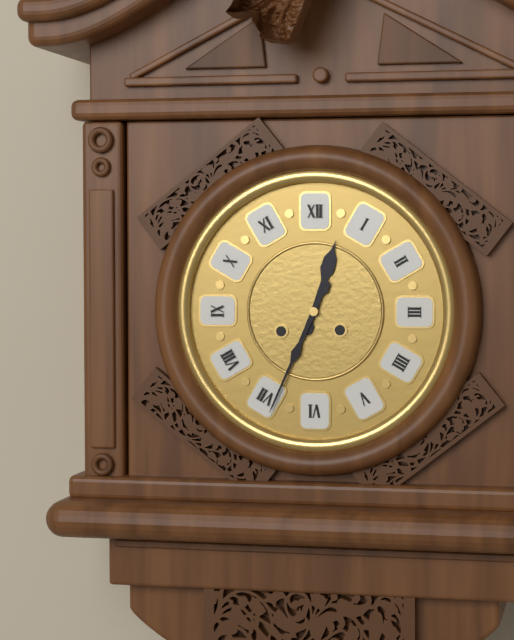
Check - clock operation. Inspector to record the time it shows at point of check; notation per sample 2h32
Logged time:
12h34
